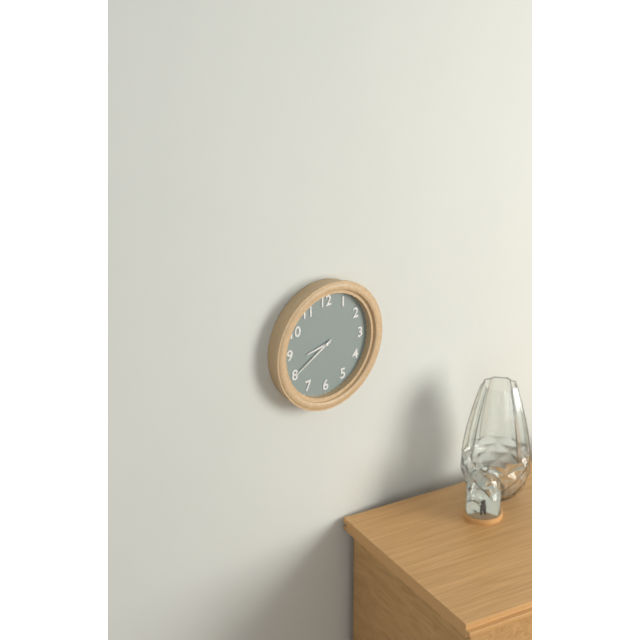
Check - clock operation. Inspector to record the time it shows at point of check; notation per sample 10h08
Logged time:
8h40
